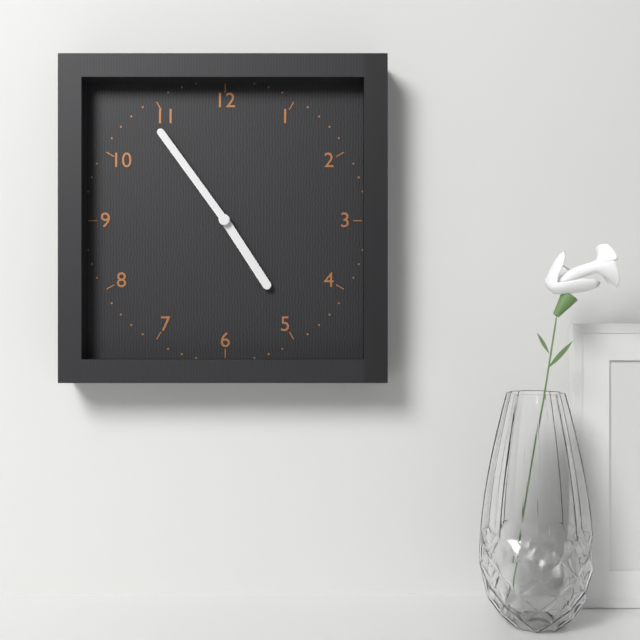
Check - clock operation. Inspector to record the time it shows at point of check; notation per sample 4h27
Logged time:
4h54
